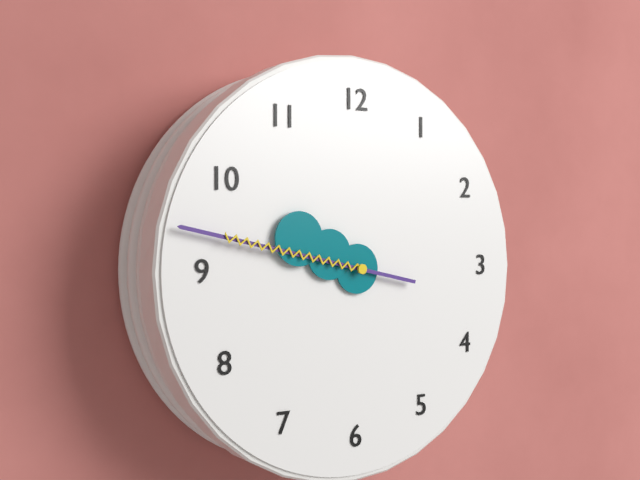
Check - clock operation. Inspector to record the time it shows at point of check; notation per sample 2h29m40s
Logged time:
9h47m47s
